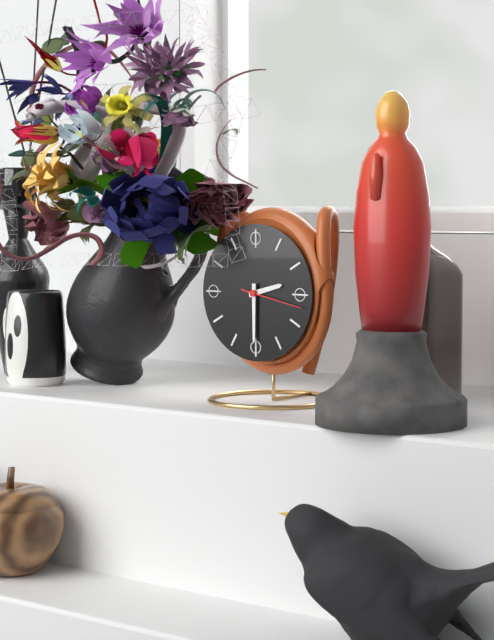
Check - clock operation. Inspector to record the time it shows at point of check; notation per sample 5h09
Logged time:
2h30
